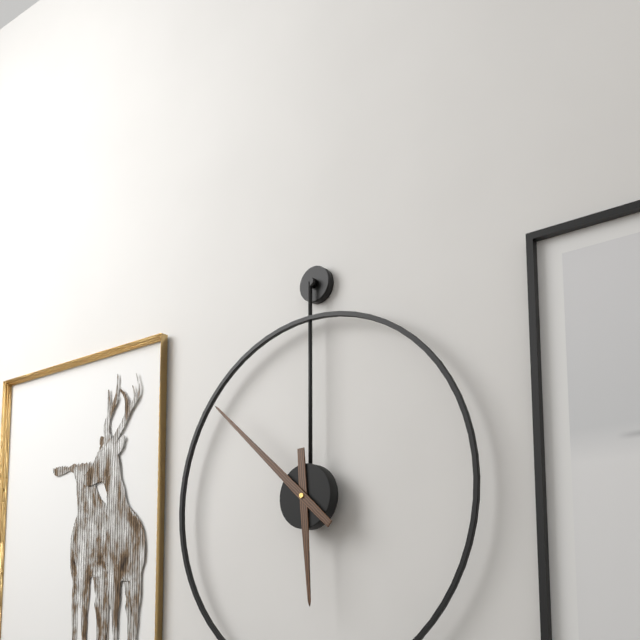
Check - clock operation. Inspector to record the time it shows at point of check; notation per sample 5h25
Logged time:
5h52
